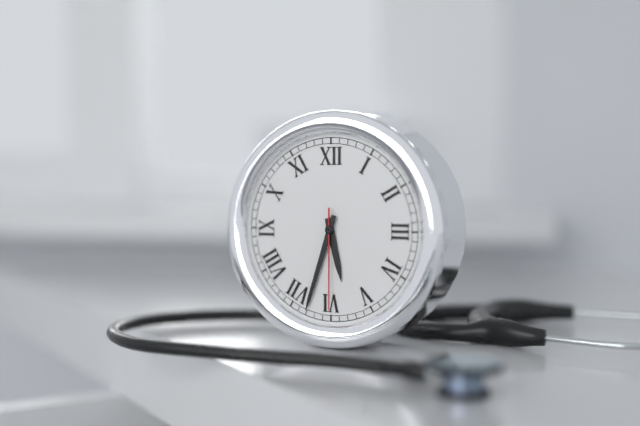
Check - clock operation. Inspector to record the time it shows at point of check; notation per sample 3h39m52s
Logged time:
5h33m30s
